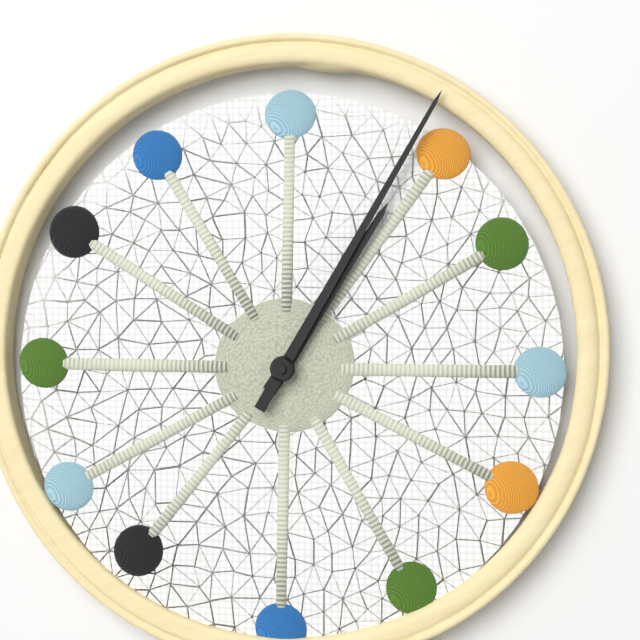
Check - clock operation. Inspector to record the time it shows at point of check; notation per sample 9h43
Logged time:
1h05
